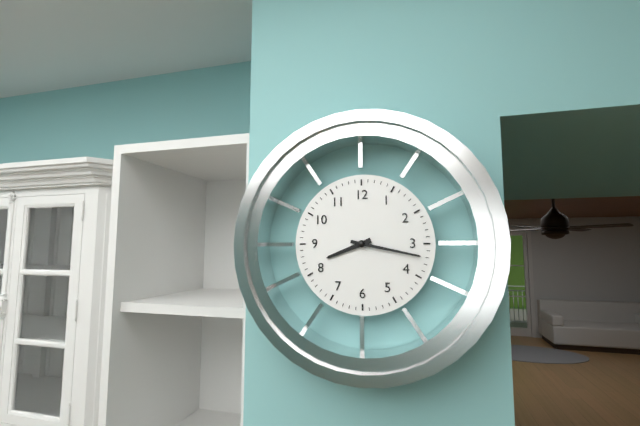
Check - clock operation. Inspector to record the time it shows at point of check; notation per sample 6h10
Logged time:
8h17
